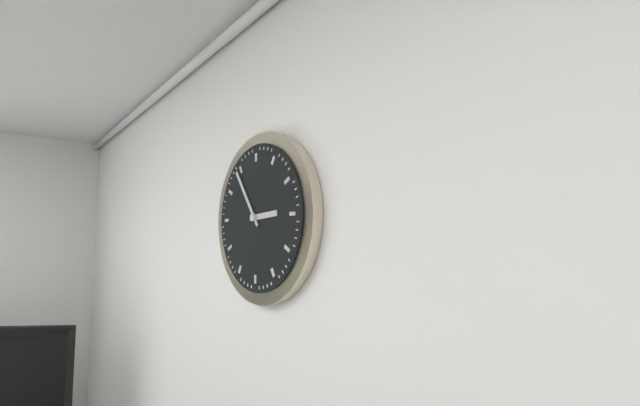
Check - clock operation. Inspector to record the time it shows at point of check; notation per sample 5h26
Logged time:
2h54
